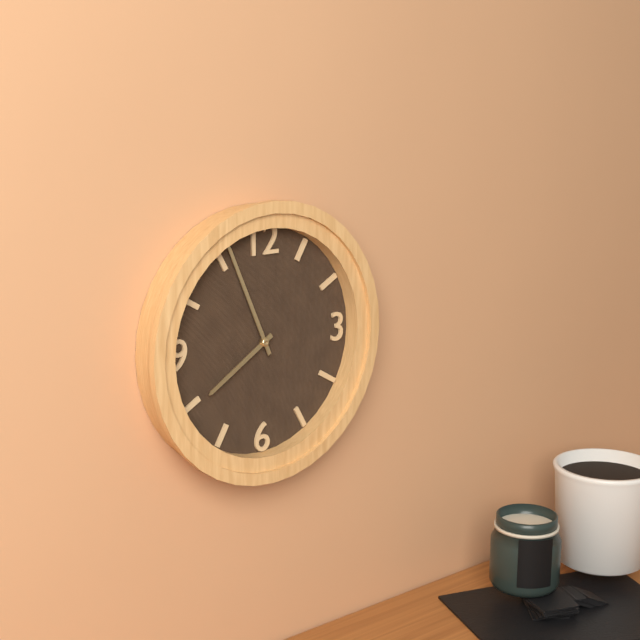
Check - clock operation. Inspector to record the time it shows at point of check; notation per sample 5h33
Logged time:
7h56
